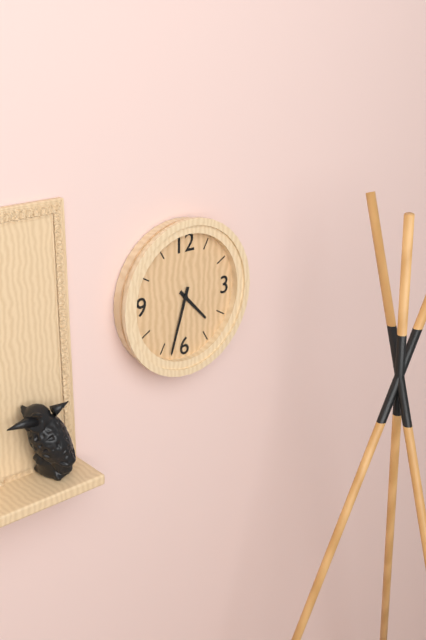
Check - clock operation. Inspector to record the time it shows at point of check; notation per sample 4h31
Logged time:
4h33
